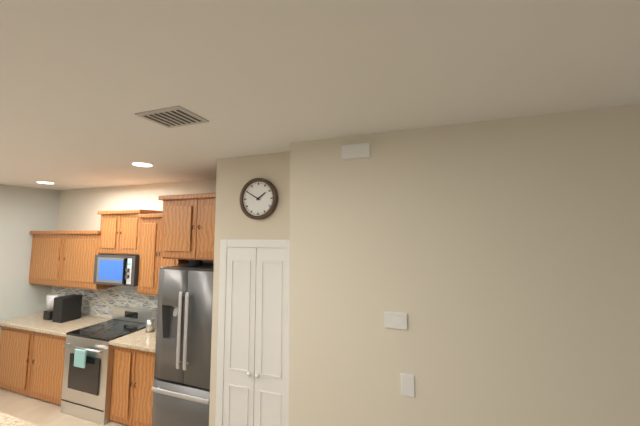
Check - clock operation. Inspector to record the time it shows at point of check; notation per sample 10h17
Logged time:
1h50
